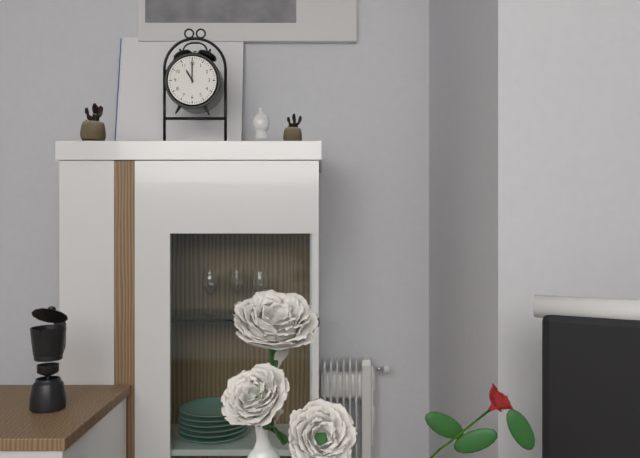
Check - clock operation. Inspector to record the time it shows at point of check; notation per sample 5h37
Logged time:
11h00
